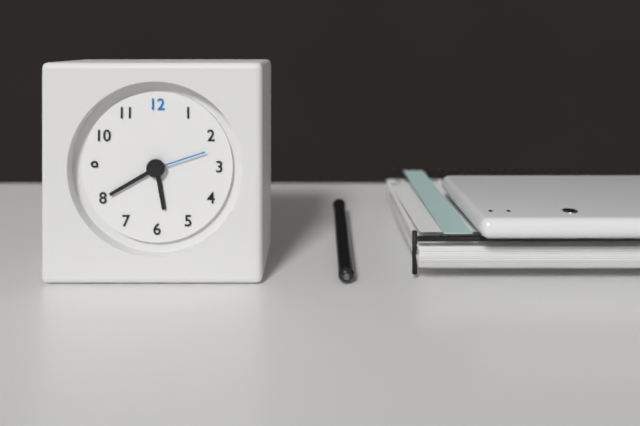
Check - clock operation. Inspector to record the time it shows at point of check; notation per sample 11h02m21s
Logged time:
5h40m12s
